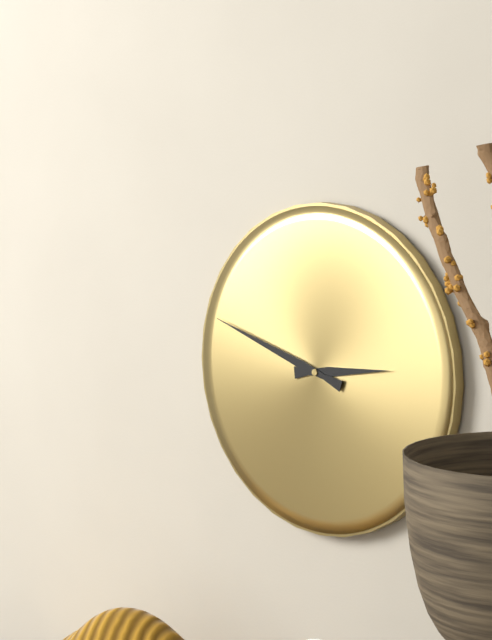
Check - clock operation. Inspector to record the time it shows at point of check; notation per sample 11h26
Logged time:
2h48
